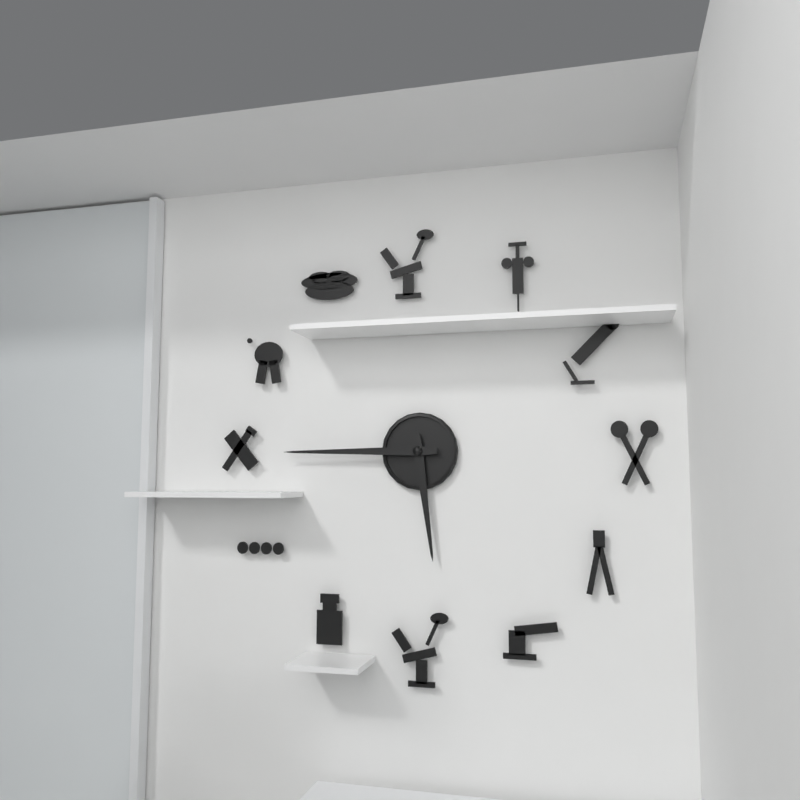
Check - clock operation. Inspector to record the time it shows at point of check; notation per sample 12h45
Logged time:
5h45
